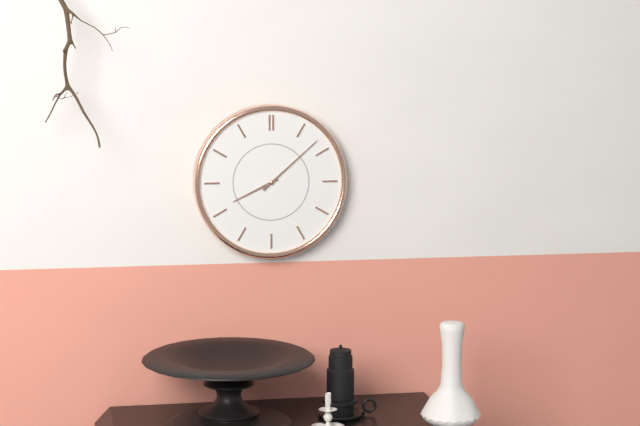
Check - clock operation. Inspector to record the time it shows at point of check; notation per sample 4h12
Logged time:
8h08
